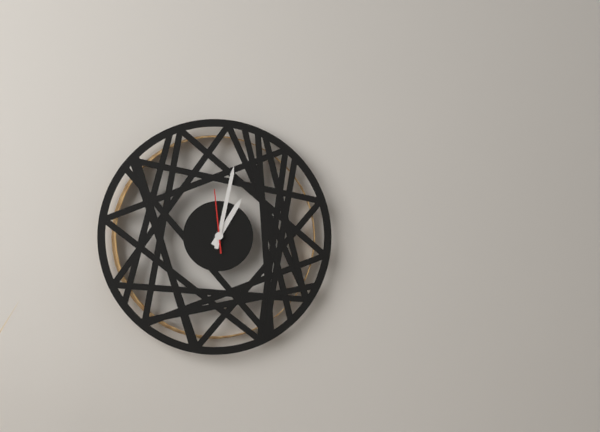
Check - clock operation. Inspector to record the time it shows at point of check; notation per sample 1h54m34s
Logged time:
1h02m59s
